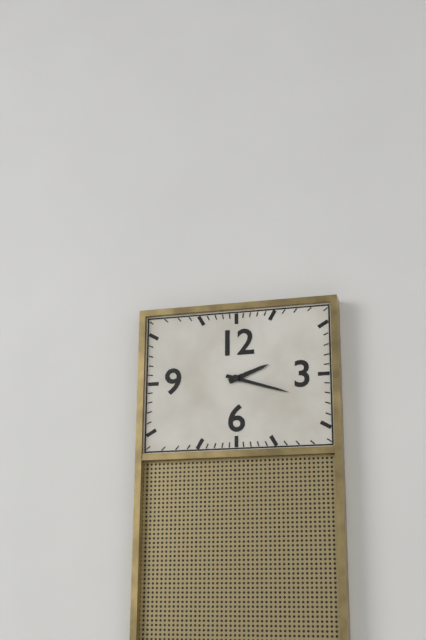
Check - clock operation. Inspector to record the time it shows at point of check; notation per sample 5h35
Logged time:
2h18
